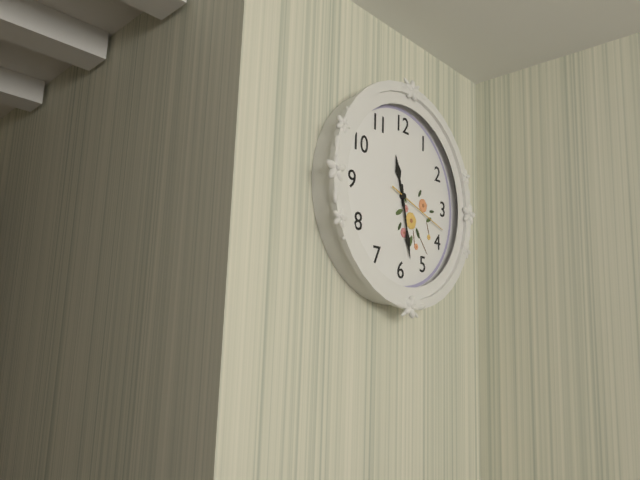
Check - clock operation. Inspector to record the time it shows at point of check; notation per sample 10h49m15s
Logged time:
11h28m18s
